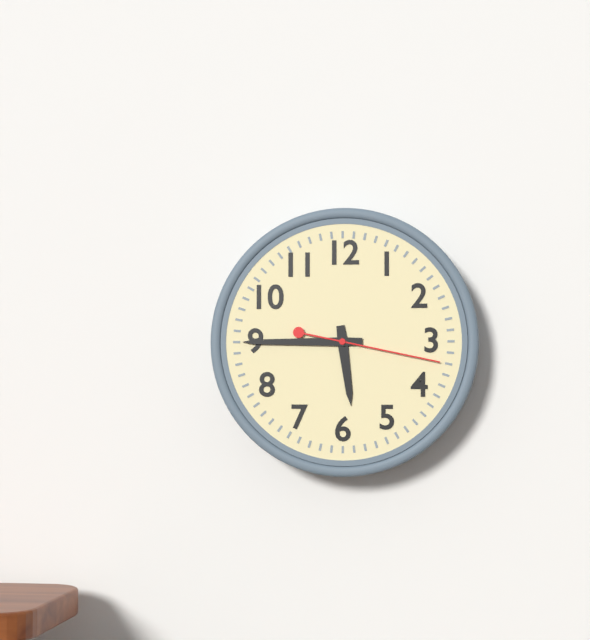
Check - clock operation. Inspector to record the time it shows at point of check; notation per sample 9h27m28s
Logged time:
5h45m17s
